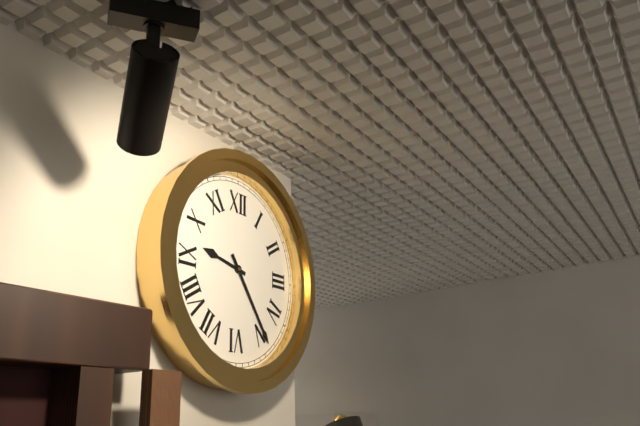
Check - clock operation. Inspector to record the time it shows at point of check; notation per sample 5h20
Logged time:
9h24
